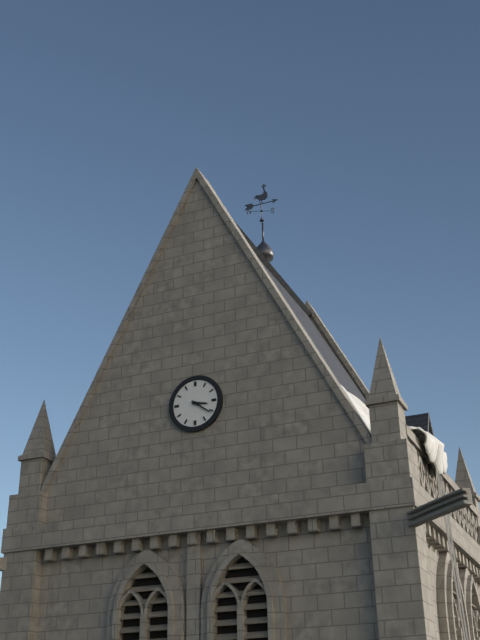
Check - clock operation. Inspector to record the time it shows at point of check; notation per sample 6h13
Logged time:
3h21
